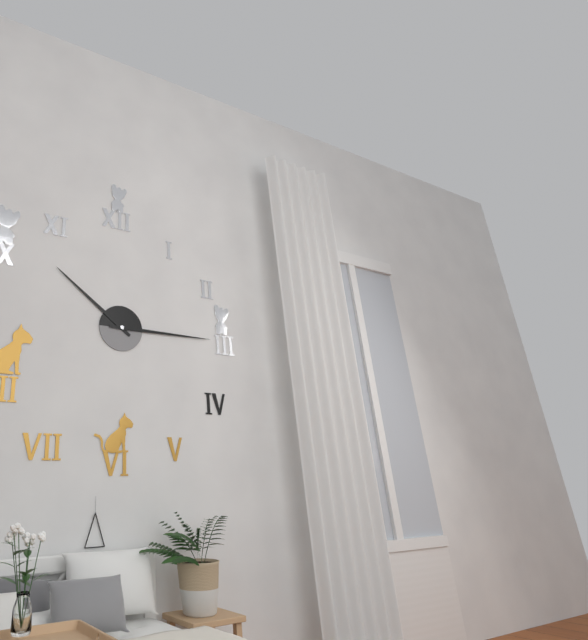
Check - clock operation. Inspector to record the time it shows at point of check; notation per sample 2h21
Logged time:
10h15
